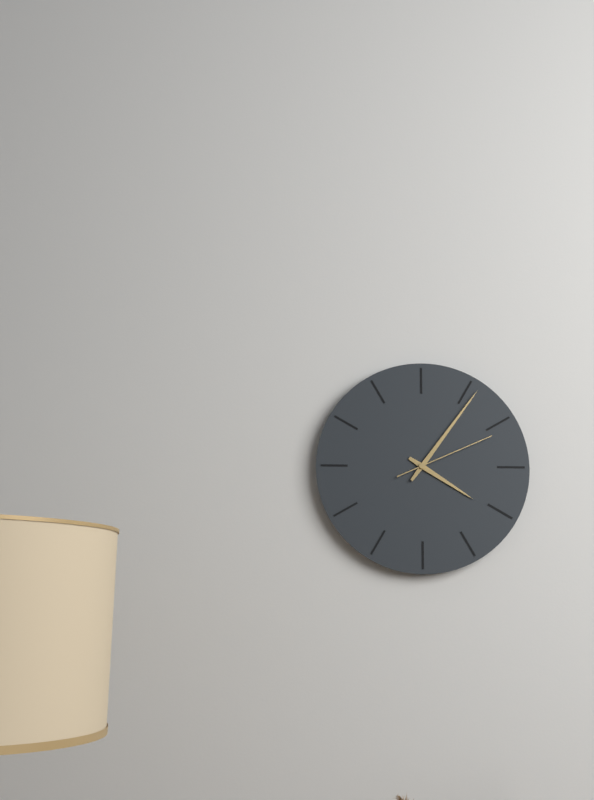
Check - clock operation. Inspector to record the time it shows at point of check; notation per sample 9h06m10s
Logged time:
4h06m11s
